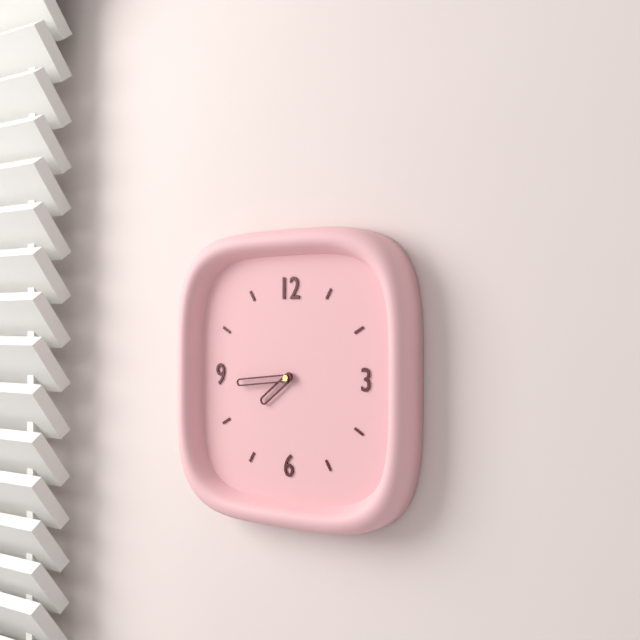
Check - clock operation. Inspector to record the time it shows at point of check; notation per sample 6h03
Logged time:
7h44
